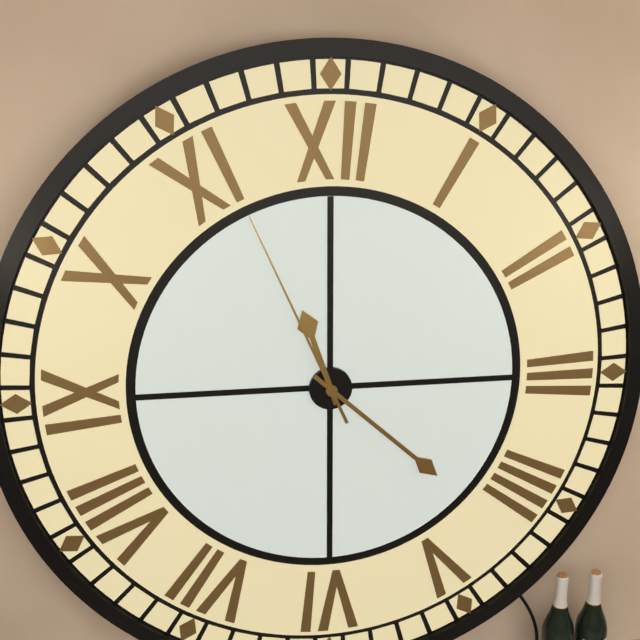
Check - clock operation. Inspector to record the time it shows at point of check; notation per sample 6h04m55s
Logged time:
11h22m56s
